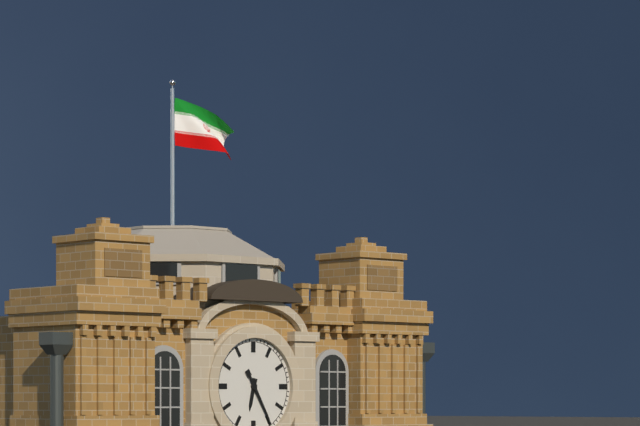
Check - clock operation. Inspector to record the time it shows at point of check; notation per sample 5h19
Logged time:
6h25
